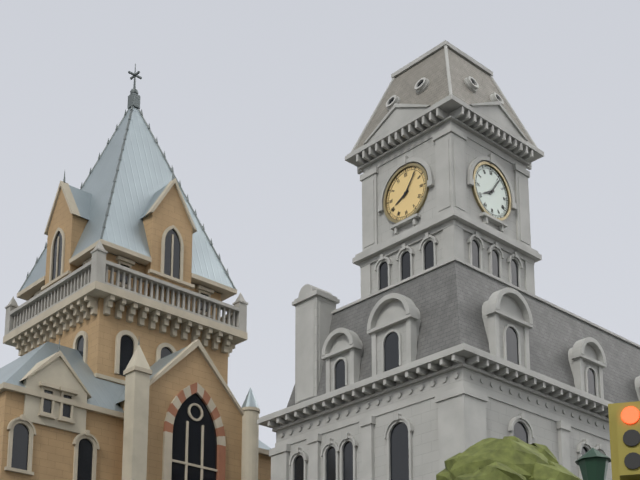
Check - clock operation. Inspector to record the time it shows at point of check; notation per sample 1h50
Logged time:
8h06
